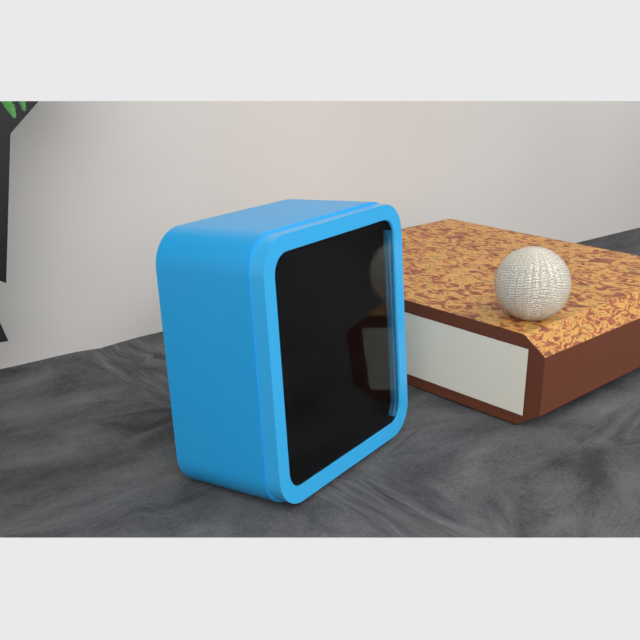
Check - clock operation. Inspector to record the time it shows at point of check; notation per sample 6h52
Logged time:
10h54
